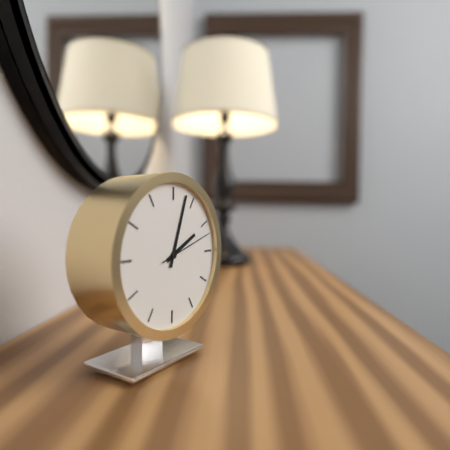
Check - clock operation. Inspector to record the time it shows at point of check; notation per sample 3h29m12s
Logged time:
2h03m12s
